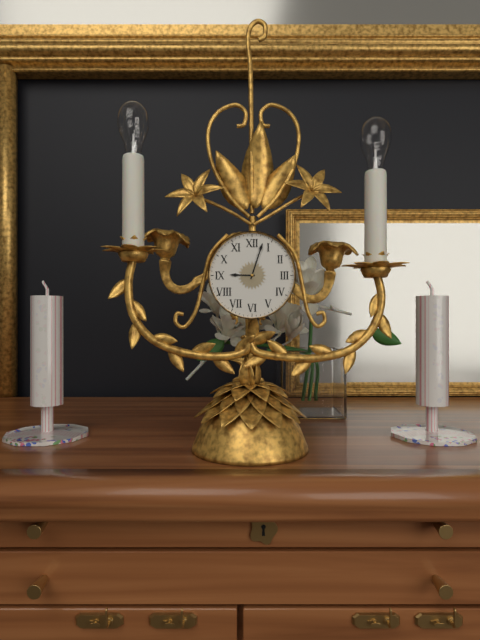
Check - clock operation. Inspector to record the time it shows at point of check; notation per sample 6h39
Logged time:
9h03
